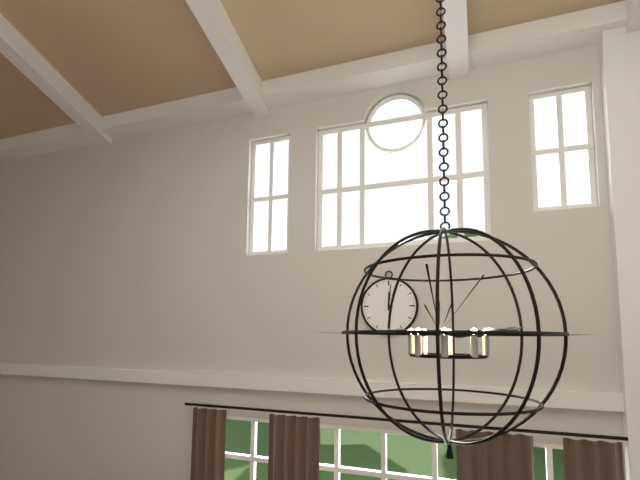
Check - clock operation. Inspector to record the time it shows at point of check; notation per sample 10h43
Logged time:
12h01
